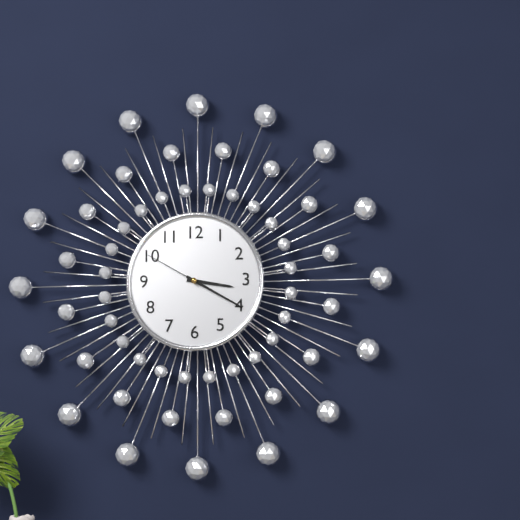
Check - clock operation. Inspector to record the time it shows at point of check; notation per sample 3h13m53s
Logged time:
3h20m50s
